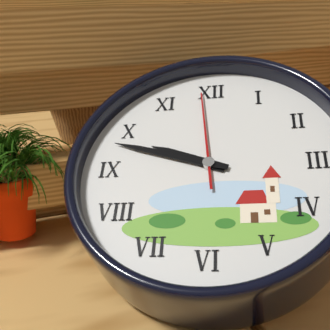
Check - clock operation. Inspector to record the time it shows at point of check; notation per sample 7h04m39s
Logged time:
9h48m59s
